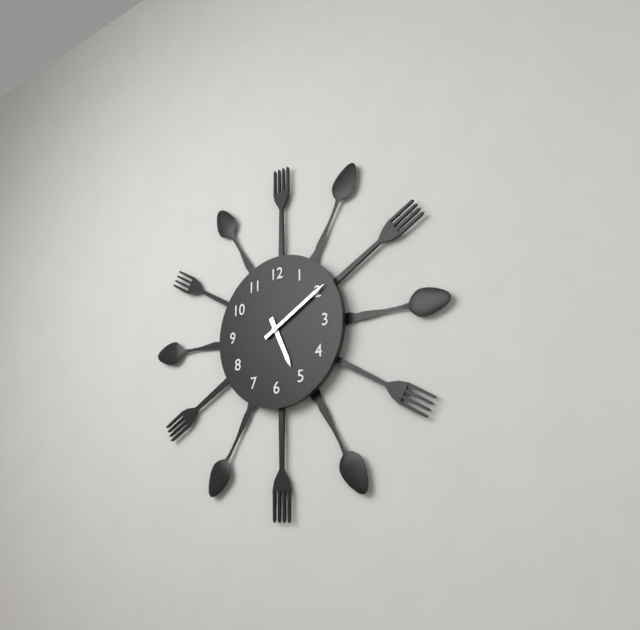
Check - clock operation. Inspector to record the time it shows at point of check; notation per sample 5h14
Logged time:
5h10
